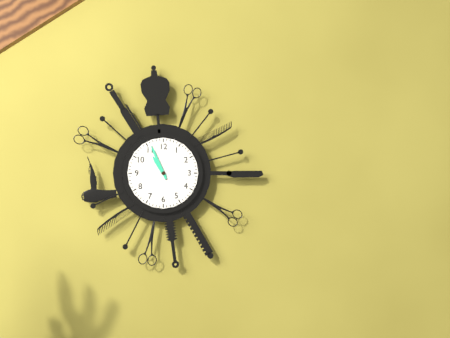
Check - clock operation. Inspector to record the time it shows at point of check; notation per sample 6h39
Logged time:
10h56
